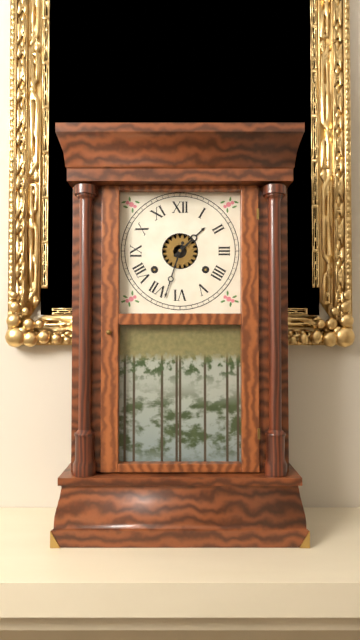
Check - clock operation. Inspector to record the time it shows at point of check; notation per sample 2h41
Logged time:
1h33
